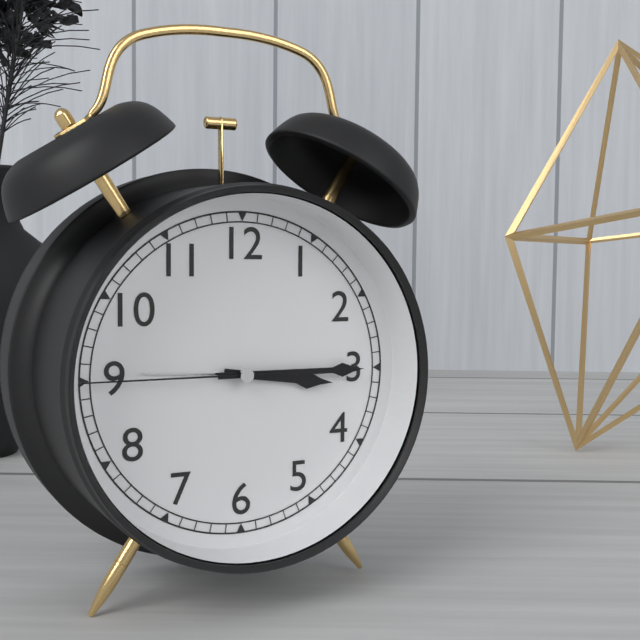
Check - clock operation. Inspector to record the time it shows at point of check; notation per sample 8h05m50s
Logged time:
3h15m45s
